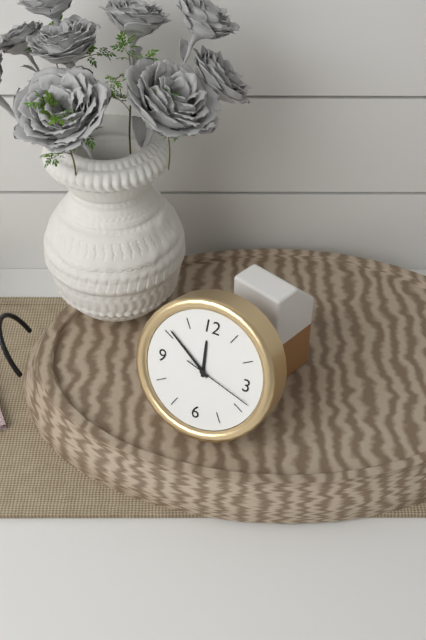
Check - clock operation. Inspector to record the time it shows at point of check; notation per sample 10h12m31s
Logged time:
11h51m18s
